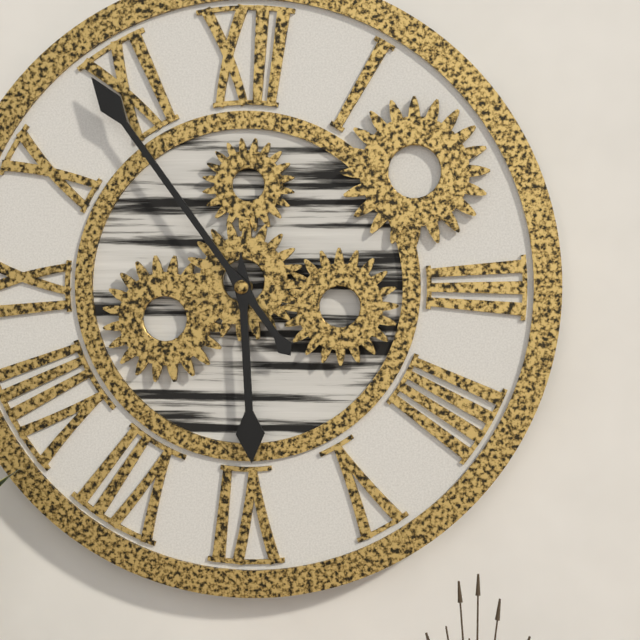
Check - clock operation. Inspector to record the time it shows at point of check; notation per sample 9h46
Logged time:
5h54
